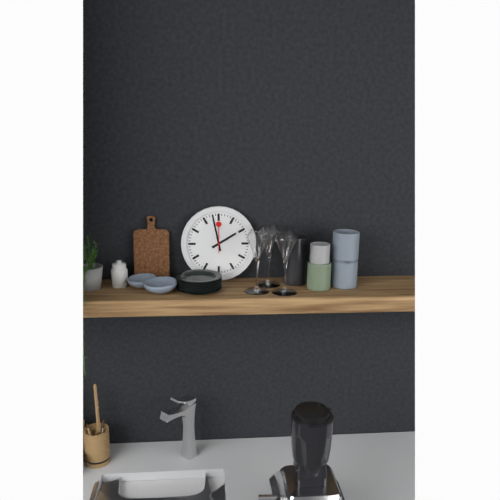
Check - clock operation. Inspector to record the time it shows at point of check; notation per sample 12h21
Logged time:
1h58
